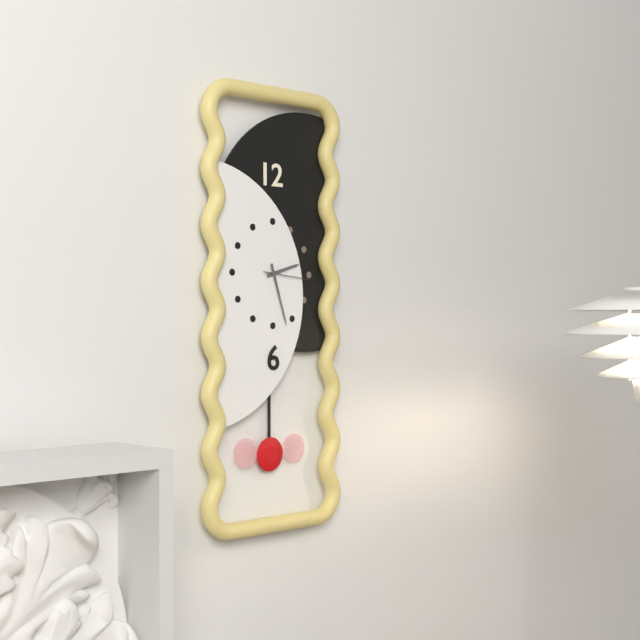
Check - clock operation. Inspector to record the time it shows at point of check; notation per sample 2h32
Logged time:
2h27
